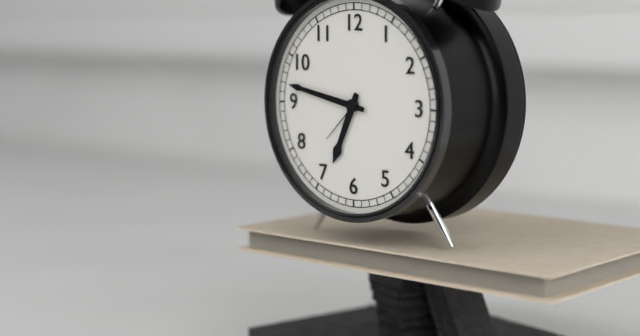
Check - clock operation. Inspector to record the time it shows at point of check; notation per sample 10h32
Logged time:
6h47
